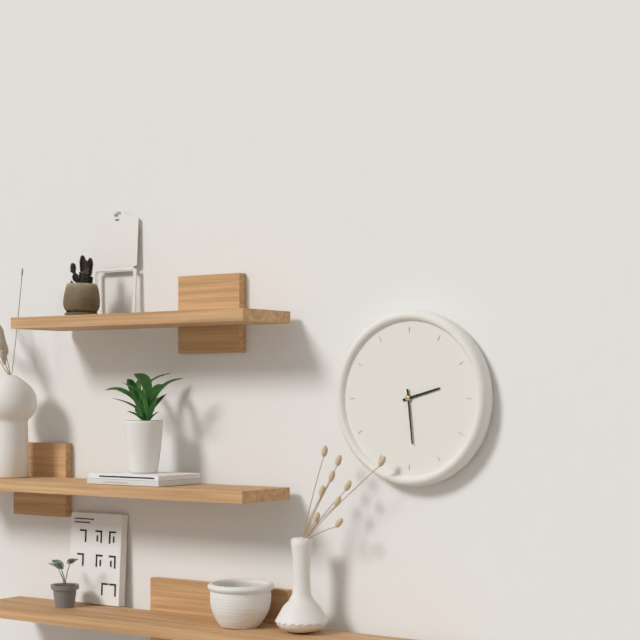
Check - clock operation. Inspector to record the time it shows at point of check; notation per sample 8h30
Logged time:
2h29
